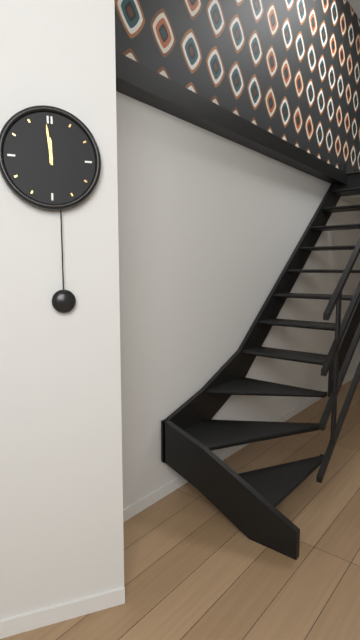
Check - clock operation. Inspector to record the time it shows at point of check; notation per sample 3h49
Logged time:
11h59
